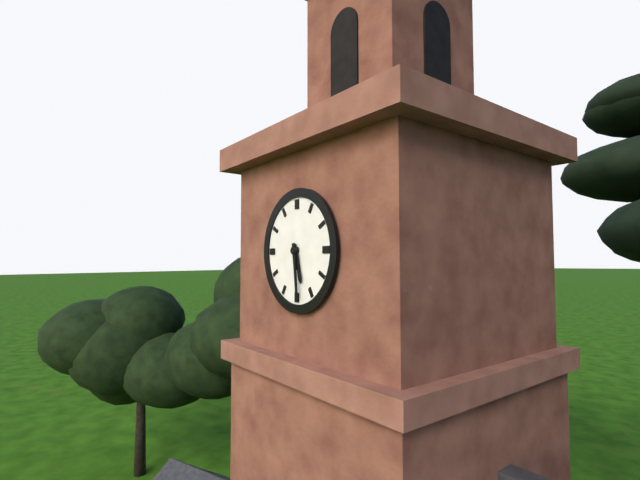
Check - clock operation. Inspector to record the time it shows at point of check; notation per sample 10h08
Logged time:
5h29
